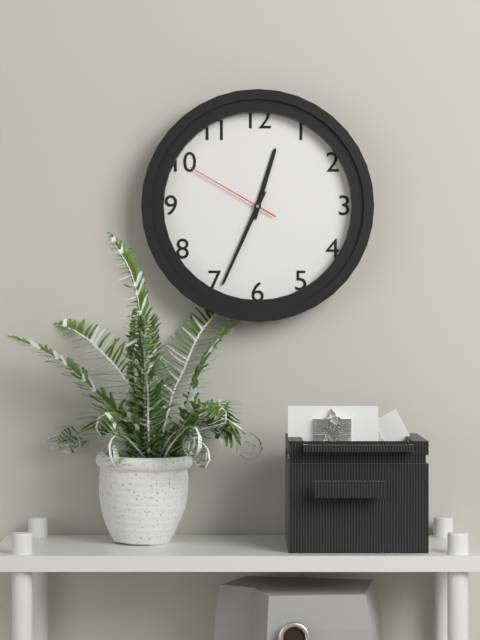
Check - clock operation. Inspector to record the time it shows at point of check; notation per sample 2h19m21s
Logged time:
12h34m50s
